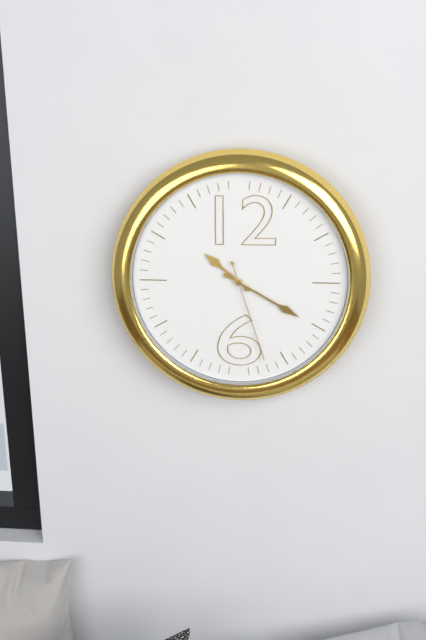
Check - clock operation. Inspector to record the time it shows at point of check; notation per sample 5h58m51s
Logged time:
10h20m27s
